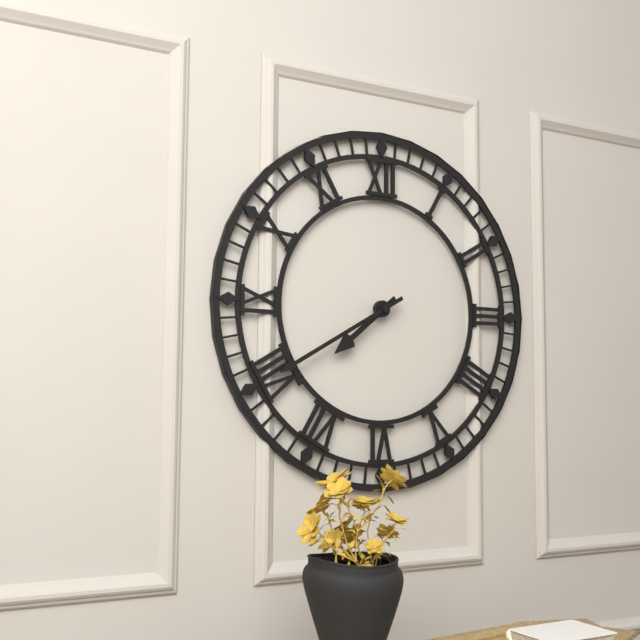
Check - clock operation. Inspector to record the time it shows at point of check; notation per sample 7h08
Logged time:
7h40
